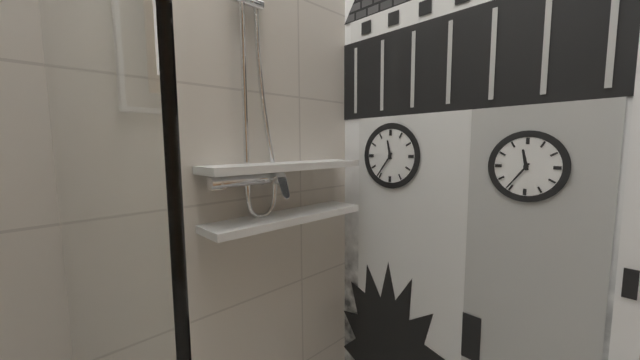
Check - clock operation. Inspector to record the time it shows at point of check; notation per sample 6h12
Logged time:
11h36
